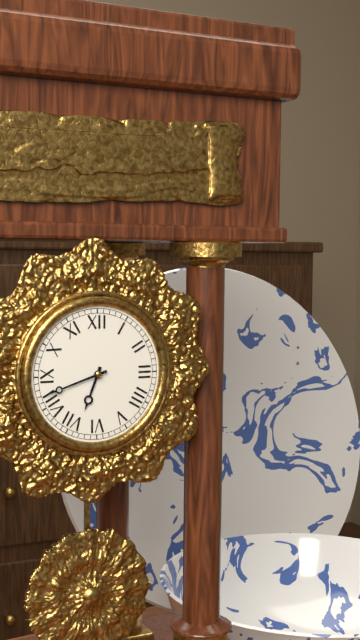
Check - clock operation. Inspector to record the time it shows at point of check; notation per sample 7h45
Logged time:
6h42
